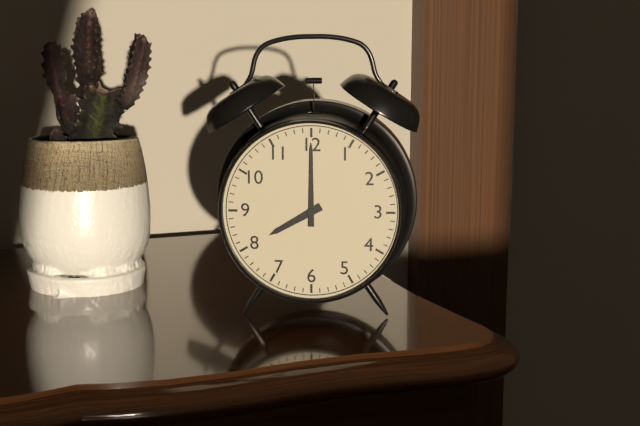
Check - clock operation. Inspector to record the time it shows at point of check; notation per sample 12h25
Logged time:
8h00
